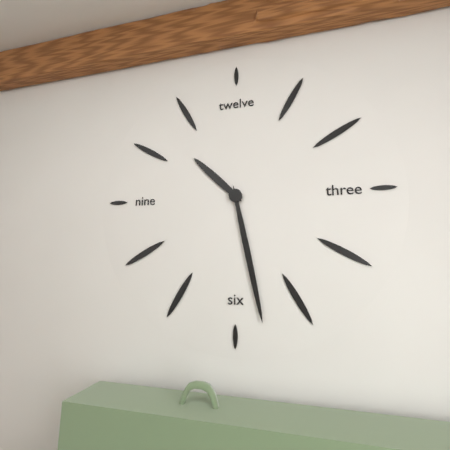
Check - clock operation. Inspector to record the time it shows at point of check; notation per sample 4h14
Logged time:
10h28
